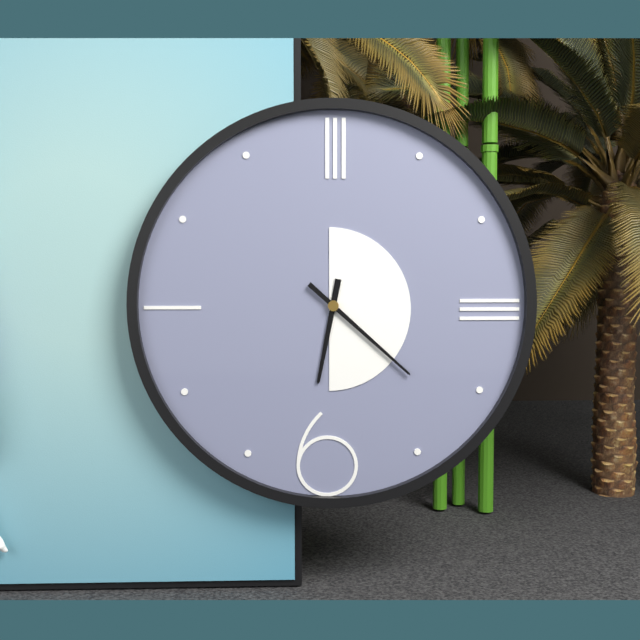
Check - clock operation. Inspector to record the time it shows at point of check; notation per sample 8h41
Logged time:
6h22
